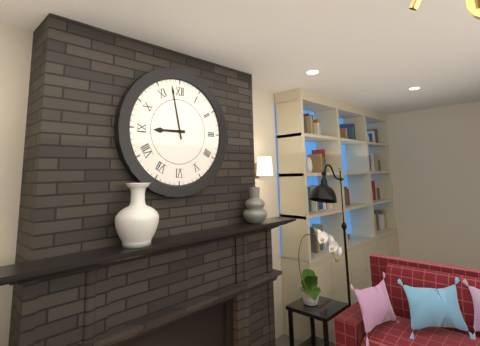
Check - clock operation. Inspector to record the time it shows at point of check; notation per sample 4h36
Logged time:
8h58
